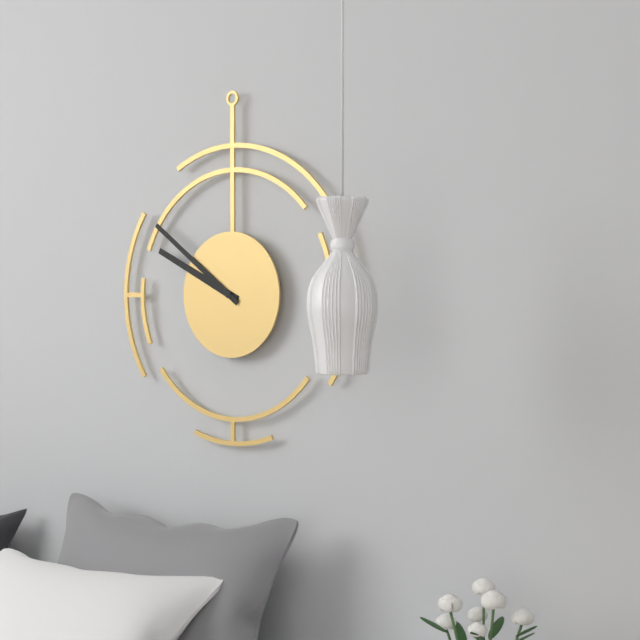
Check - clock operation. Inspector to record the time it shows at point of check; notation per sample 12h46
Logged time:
9h51
